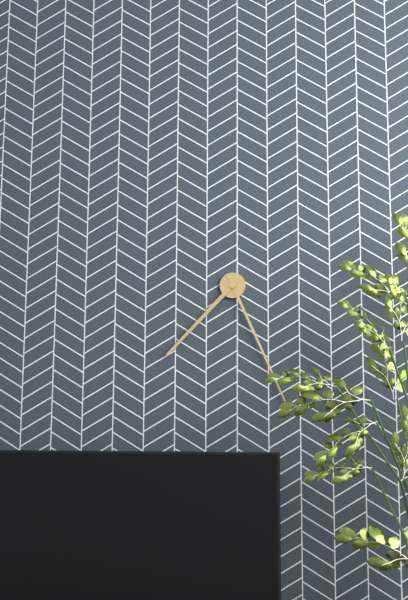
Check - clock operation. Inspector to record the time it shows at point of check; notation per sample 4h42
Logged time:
7h26
